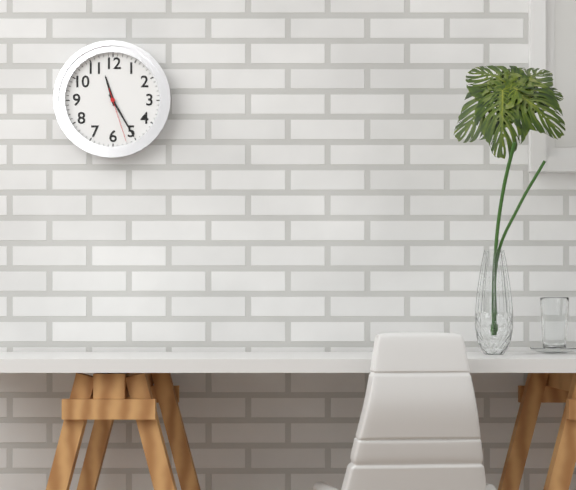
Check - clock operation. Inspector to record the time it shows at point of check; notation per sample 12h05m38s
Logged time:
11h25m27s
